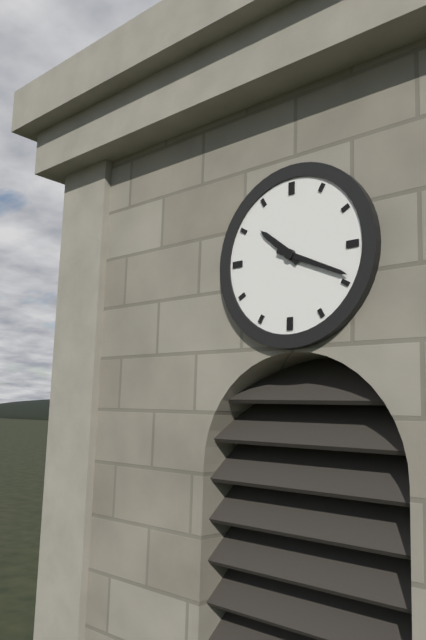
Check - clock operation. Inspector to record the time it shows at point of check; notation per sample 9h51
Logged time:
10h19
